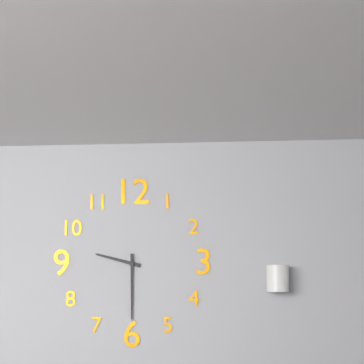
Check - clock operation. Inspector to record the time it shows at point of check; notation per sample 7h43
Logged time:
9h30
